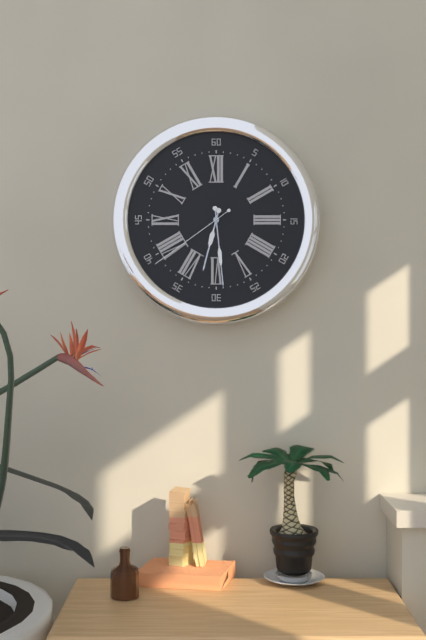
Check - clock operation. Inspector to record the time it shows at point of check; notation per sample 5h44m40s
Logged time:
6h29m39s
